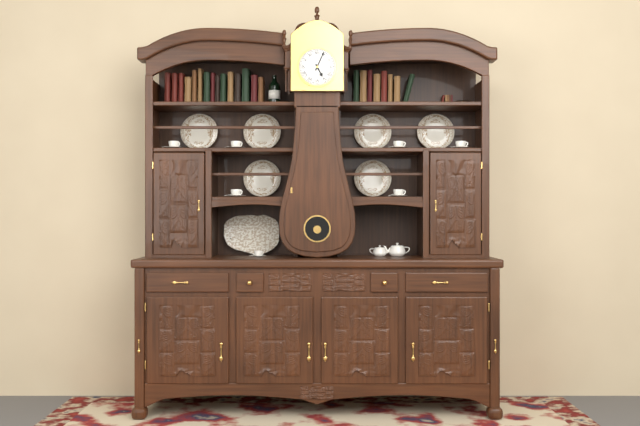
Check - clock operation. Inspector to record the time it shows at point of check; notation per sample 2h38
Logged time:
5h04
